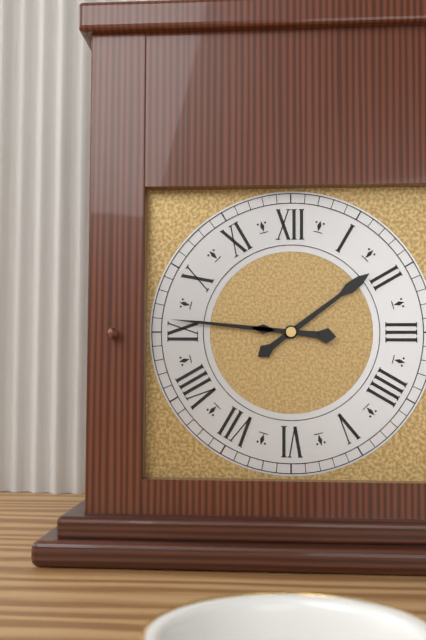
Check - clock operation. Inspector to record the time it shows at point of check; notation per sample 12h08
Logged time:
1h46
